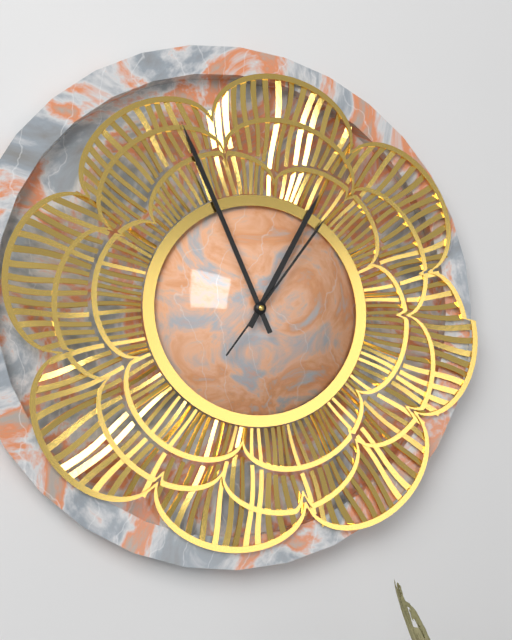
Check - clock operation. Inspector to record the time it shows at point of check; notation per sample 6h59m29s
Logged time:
12h56m06s
